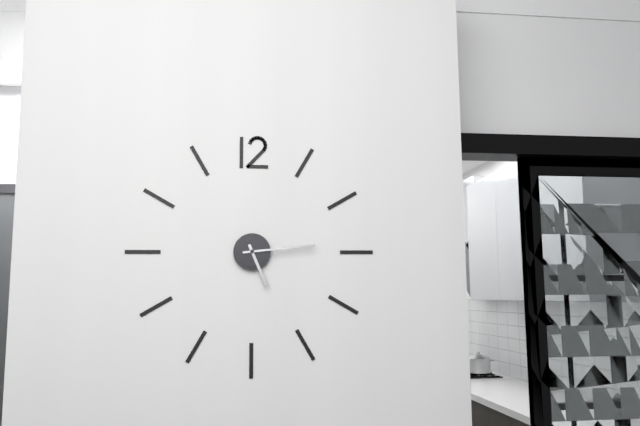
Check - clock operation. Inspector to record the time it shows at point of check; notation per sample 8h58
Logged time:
5h14
